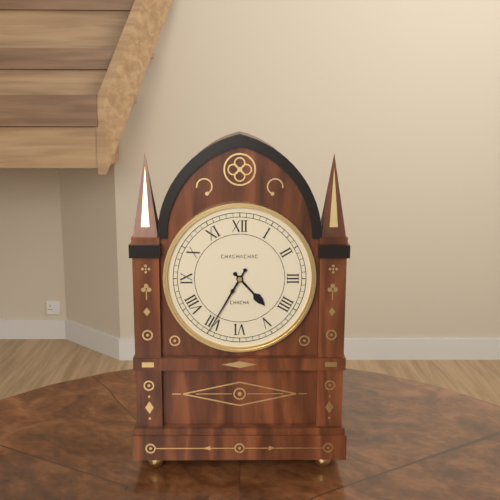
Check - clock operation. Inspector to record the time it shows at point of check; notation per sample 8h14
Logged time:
4h35
